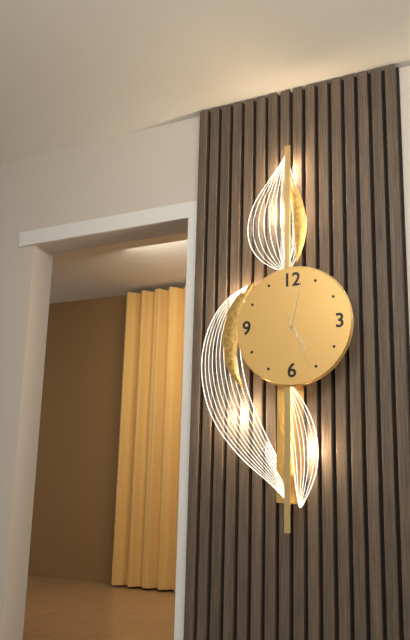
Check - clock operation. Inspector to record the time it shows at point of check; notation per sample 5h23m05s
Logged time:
5h02m26s
